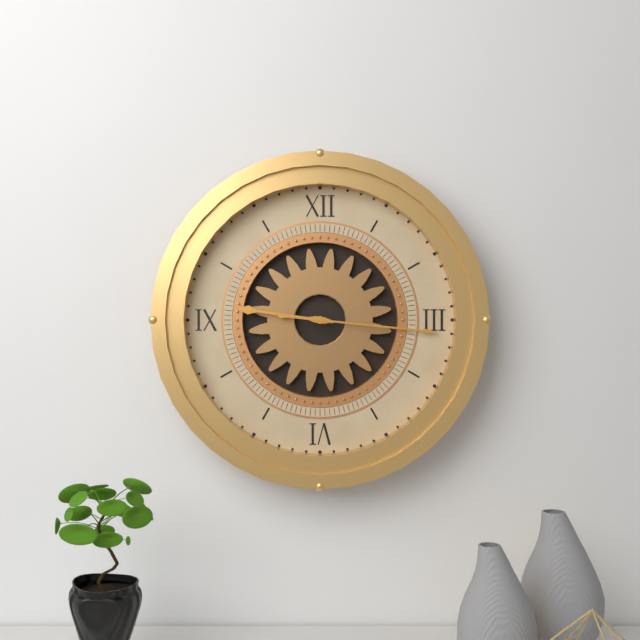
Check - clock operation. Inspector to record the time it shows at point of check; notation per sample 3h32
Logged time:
9h16
